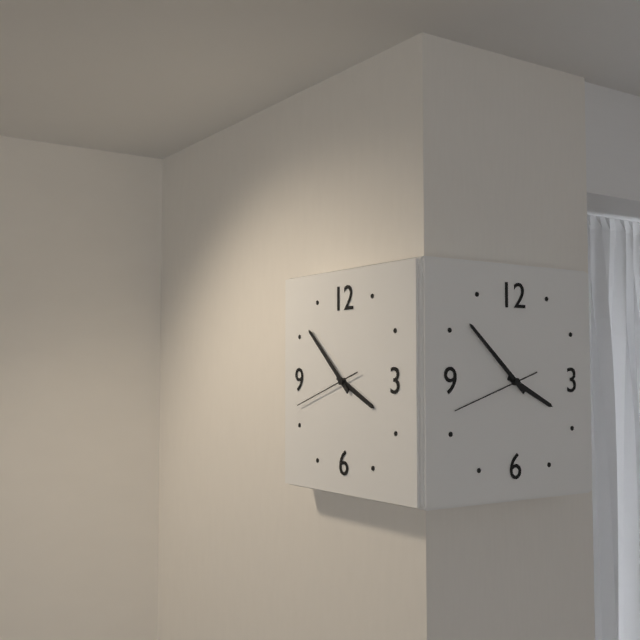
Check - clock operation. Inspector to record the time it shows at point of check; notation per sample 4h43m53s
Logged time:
3h52m42s
